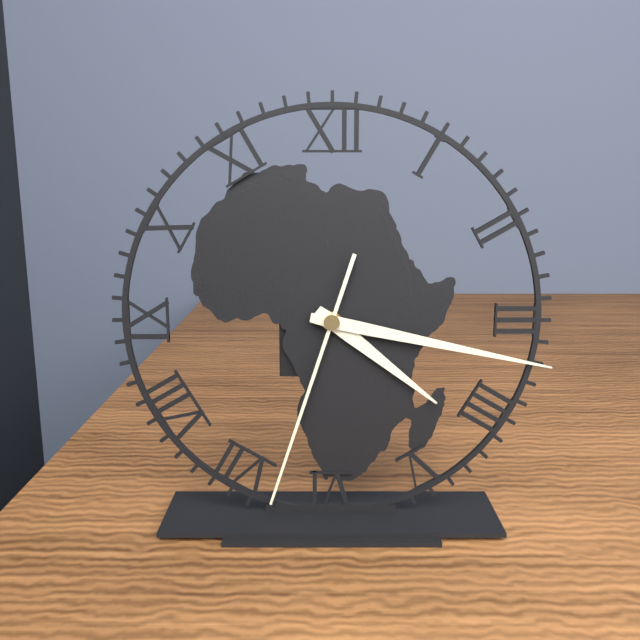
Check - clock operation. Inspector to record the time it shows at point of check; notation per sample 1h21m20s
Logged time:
4h17m33s
